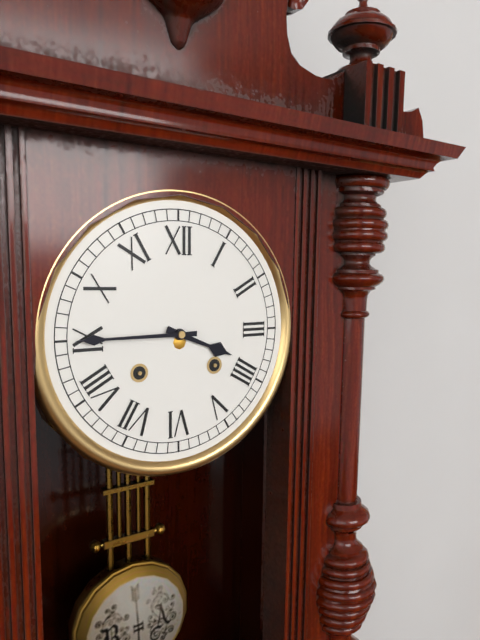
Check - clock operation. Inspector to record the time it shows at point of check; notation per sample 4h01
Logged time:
3h45
